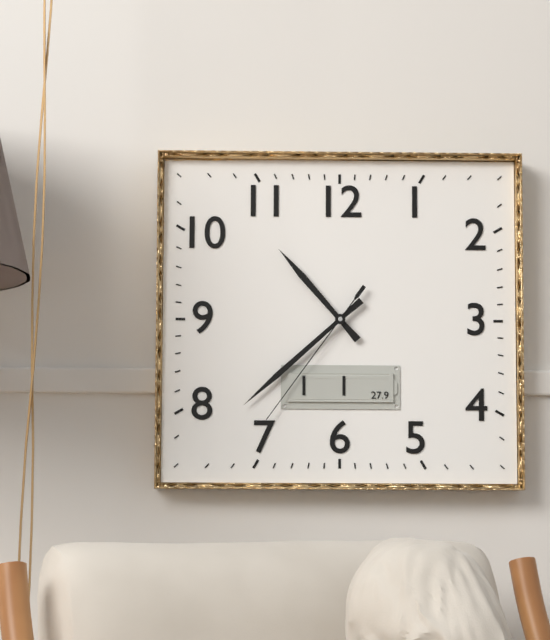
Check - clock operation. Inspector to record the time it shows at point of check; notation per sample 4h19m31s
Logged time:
10h38m36s
